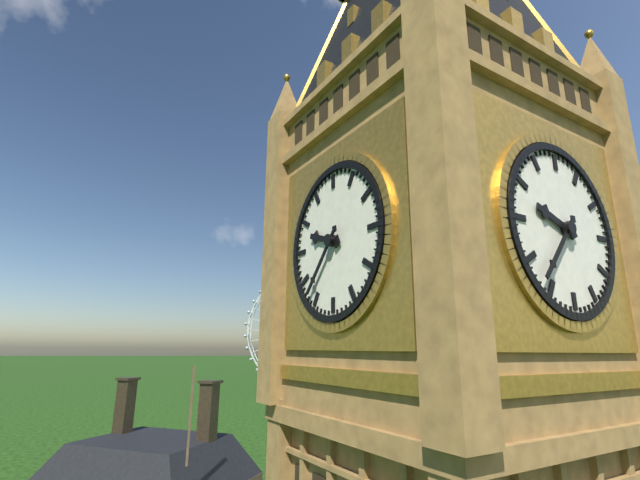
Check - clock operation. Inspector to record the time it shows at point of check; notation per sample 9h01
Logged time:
9h37
